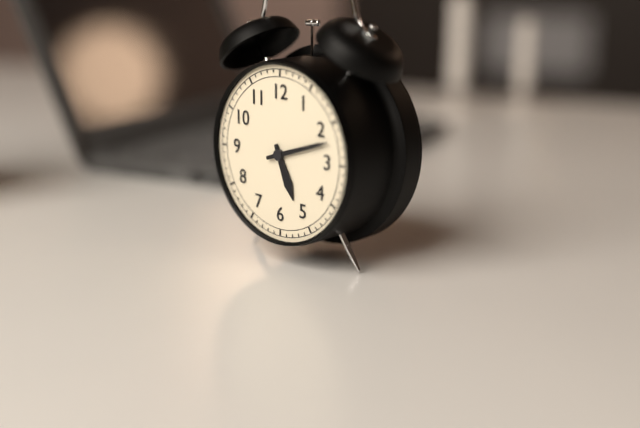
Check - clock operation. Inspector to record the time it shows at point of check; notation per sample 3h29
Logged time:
5h12
